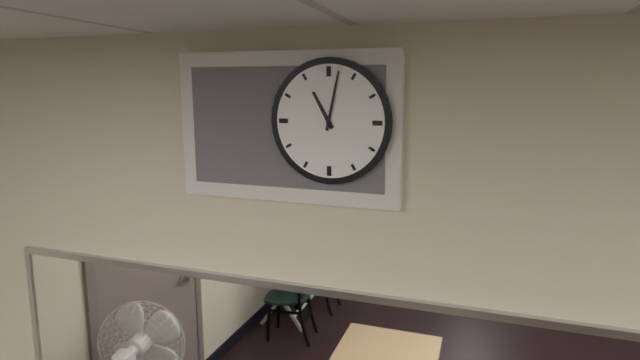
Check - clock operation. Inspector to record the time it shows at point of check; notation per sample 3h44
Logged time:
11h02
